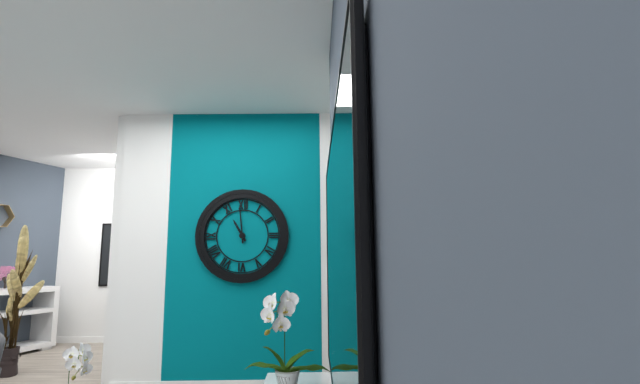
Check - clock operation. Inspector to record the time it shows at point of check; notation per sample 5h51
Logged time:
10h59
